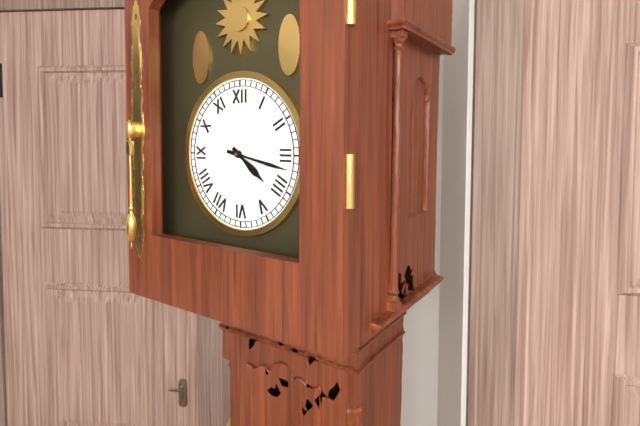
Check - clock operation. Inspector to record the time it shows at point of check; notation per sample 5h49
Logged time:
4h17
